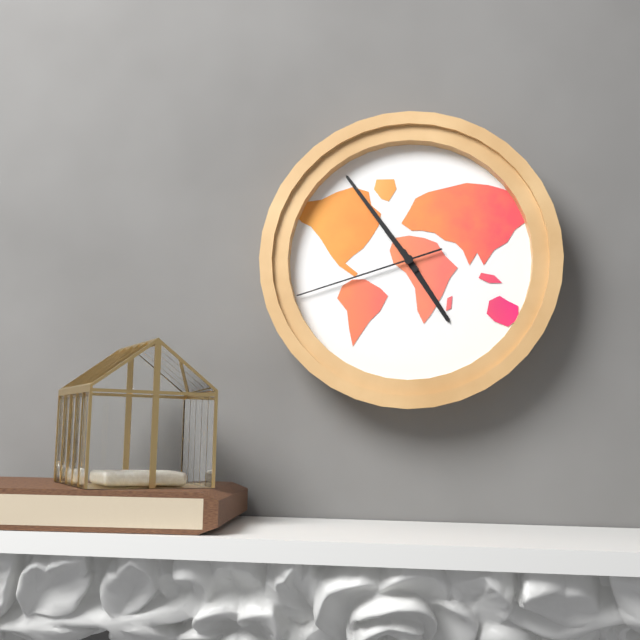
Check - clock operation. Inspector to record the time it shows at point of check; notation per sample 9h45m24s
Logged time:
4h54m42s
